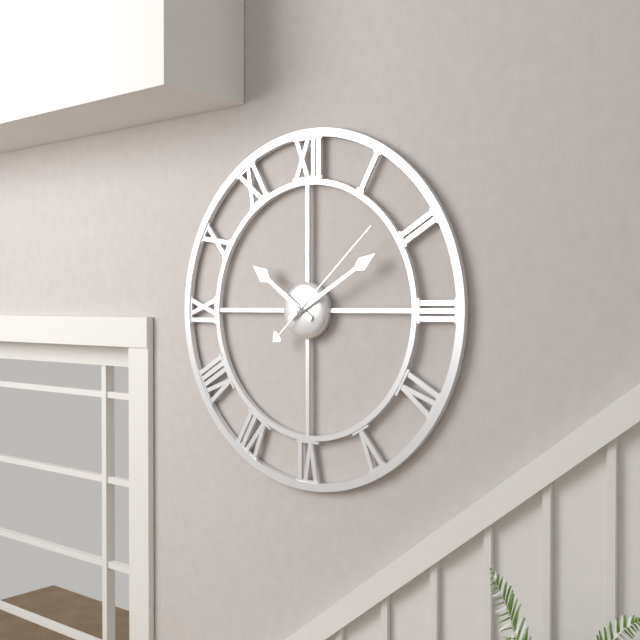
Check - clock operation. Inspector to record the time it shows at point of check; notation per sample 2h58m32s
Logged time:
10h10m08s
